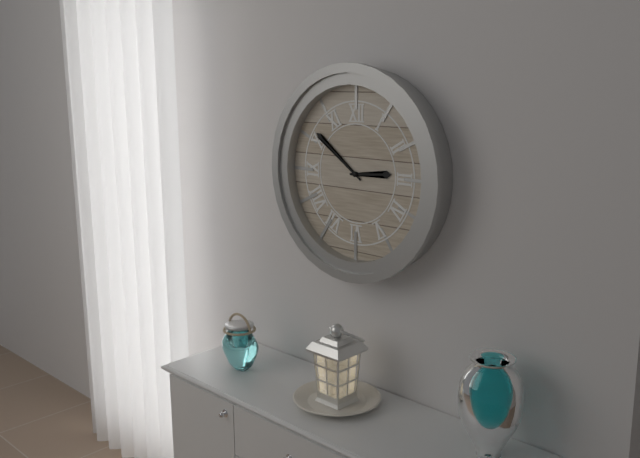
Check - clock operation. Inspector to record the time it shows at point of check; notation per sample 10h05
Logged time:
2h51
